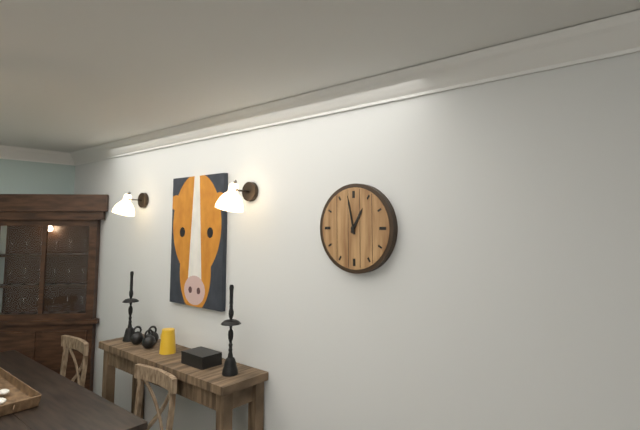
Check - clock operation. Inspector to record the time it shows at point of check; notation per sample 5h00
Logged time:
12h58
